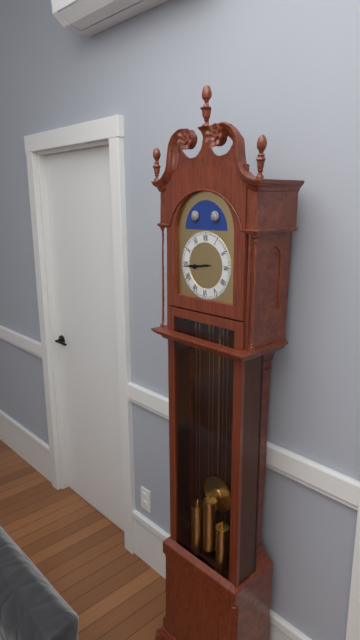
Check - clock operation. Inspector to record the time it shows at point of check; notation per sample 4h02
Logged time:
8h44
